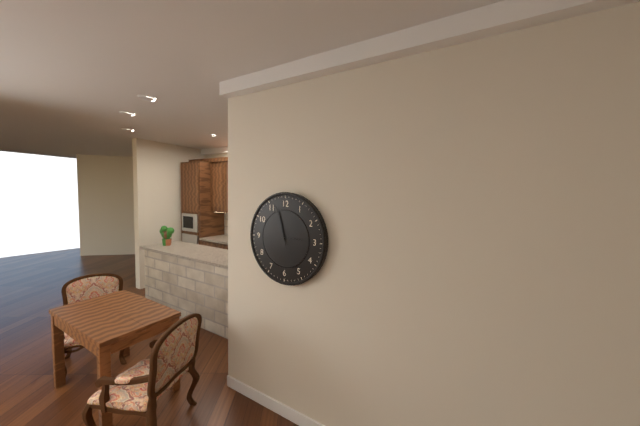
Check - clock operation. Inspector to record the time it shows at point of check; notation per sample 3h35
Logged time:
2h57
